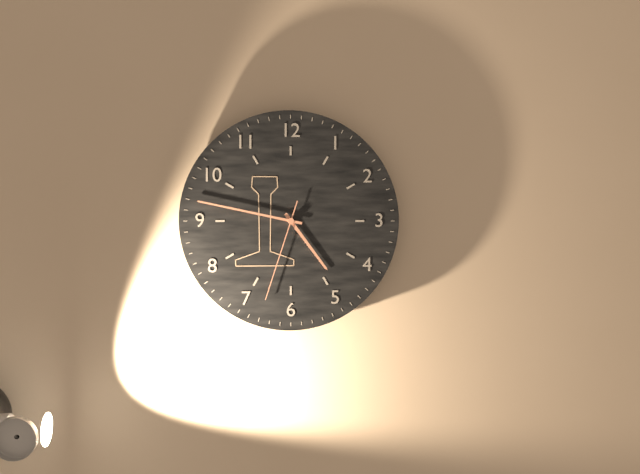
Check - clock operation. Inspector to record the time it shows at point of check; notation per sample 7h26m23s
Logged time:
4h47m33s
